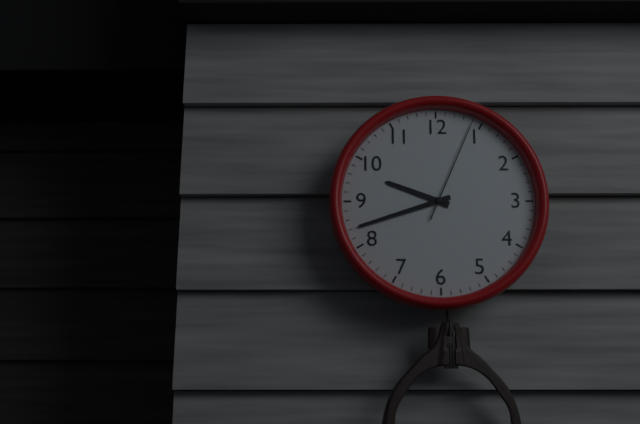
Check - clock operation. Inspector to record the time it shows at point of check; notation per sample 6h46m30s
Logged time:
9h42m04s
